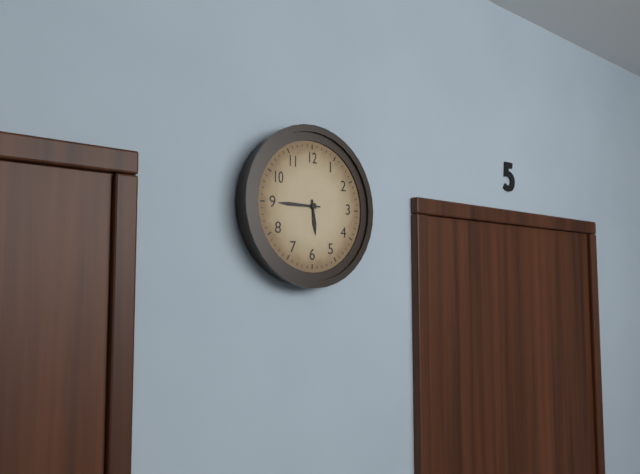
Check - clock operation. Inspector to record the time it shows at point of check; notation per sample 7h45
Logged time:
5h45
